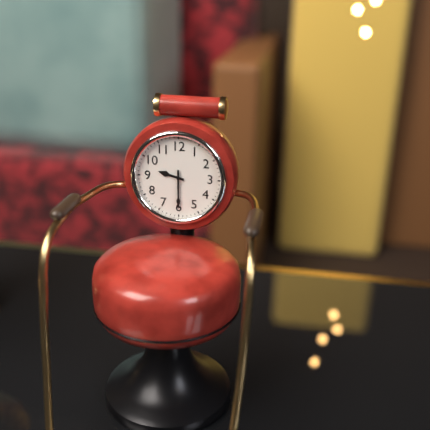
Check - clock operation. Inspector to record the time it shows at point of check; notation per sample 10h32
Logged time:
9h30
